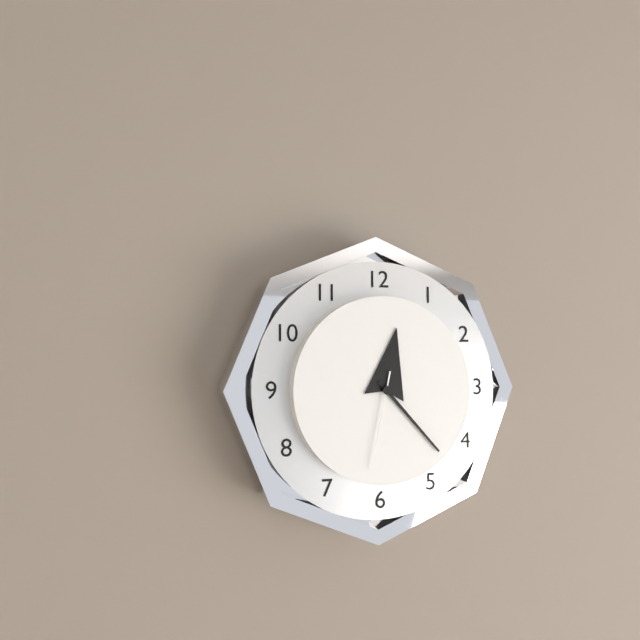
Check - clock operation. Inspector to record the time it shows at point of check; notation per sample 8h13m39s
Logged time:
12h23m32s
